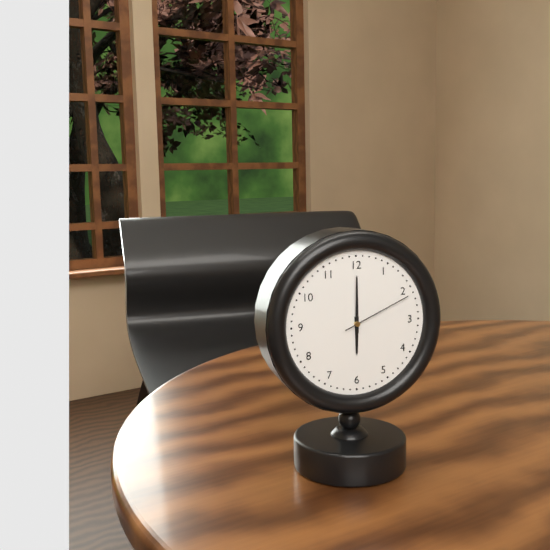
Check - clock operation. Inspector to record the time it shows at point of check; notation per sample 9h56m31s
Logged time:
6h00m11s
